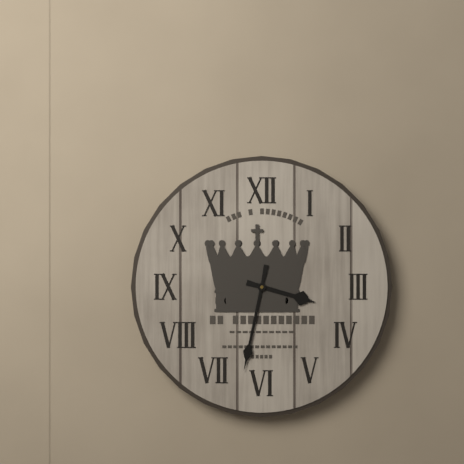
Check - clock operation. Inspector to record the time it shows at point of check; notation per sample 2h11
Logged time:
3h32
